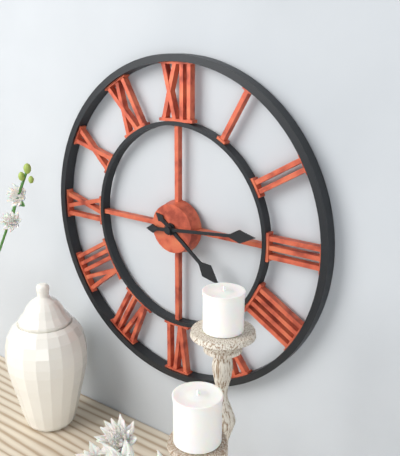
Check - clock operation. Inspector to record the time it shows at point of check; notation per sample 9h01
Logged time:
4h14
